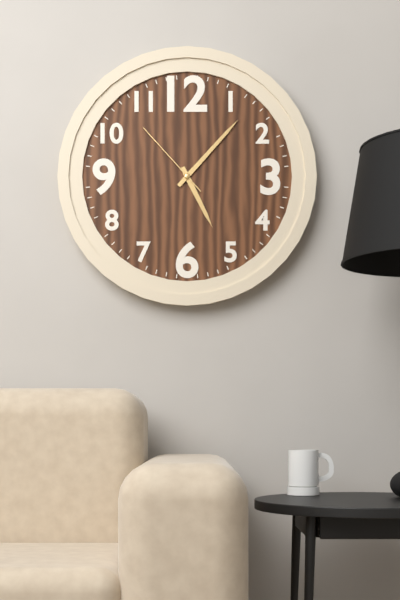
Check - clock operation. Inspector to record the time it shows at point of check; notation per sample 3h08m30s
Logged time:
5h07m53s
